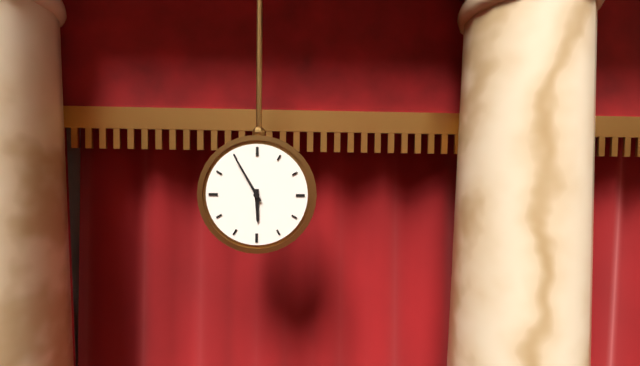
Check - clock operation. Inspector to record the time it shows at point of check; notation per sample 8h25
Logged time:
5h55
